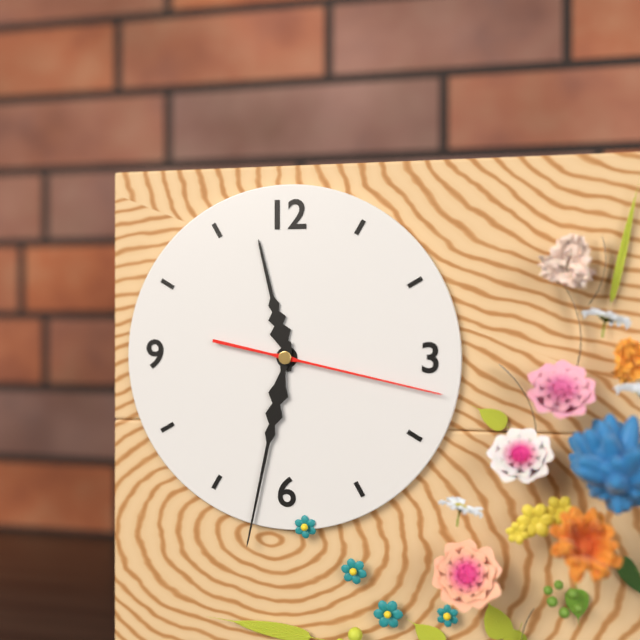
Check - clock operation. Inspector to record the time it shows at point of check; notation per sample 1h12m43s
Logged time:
11h32m17s
